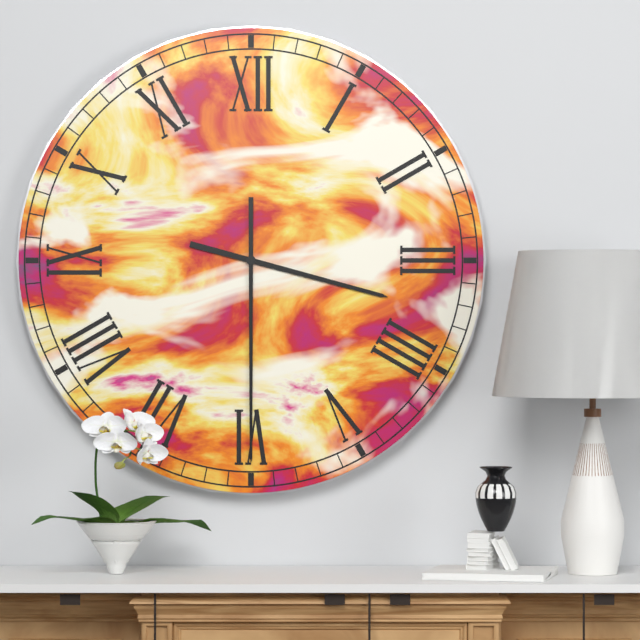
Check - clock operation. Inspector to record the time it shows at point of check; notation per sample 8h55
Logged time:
3h30
